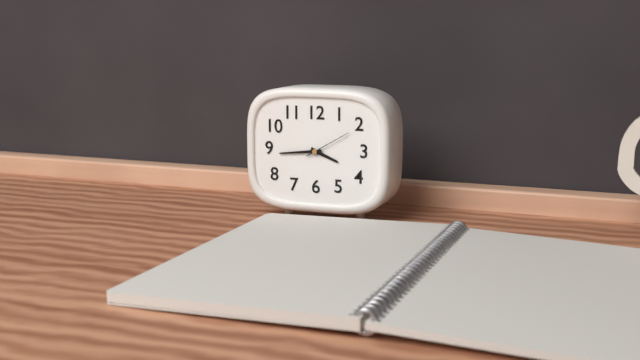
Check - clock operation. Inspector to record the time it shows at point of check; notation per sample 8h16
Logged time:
3h44
